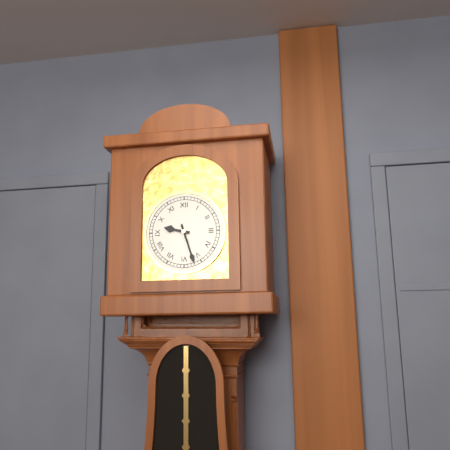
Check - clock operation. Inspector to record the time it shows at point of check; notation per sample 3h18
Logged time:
9h27
